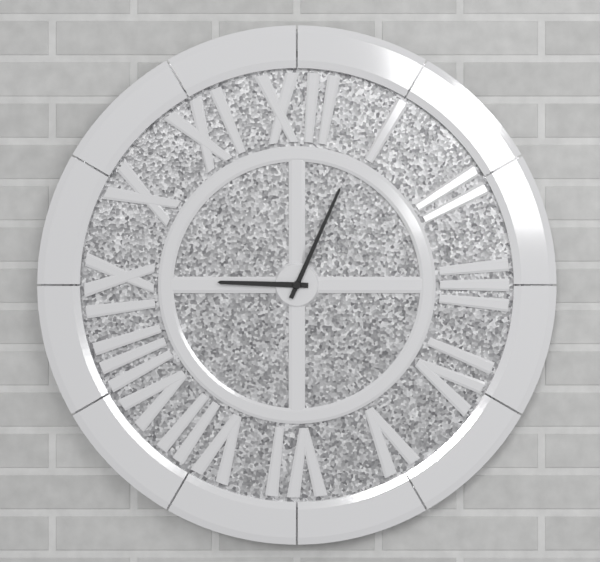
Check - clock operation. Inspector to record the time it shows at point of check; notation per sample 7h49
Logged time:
9h04
